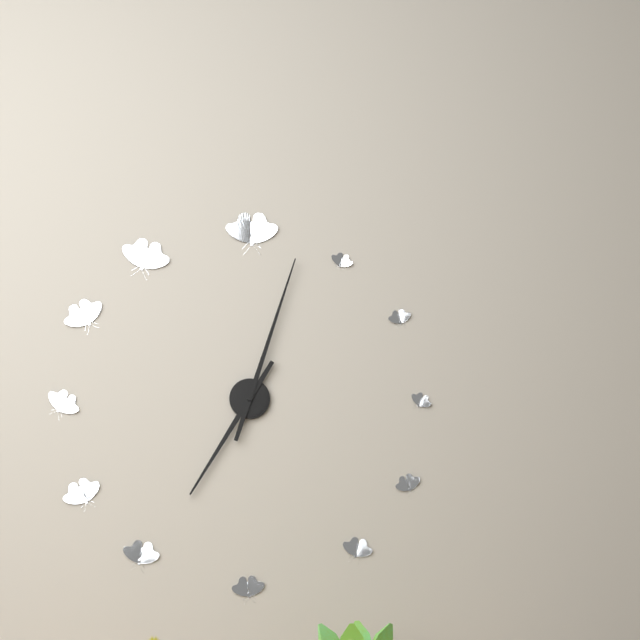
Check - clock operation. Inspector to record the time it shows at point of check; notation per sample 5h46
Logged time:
7h03
